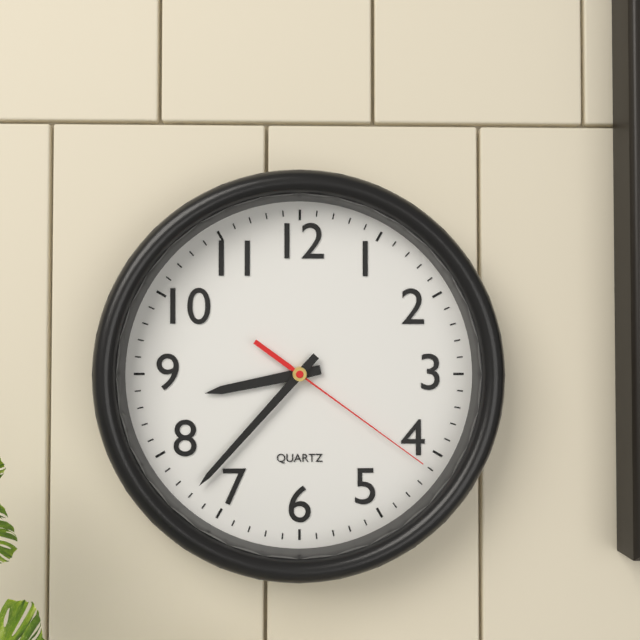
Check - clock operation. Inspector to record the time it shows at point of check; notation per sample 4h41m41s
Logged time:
8h37m21s
